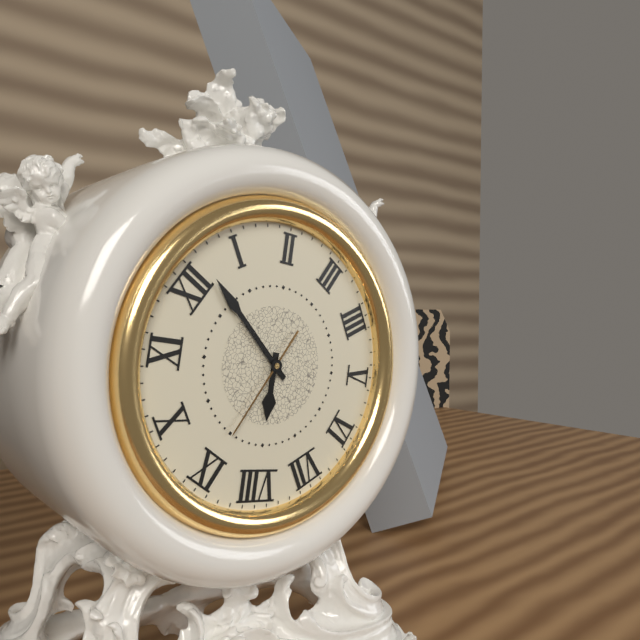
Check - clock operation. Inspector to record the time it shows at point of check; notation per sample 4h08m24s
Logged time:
8h02m45s
